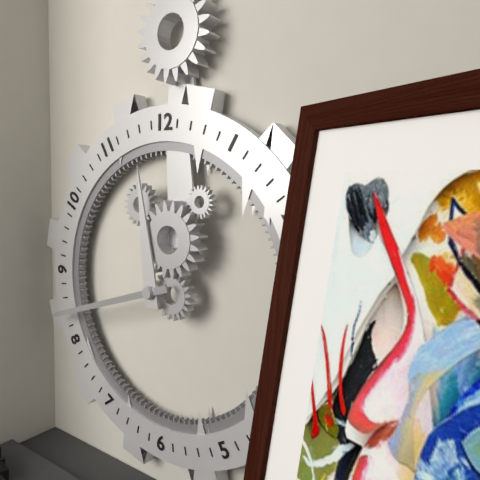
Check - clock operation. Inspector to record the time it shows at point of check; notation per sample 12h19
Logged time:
11h42
